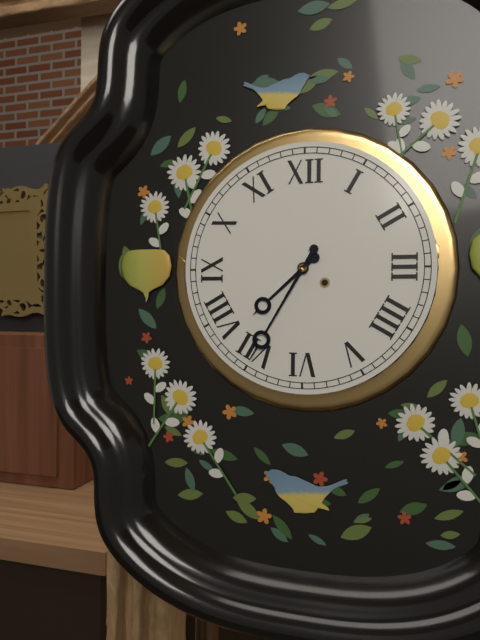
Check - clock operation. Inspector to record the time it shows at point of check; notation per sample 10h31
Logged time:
7h35
